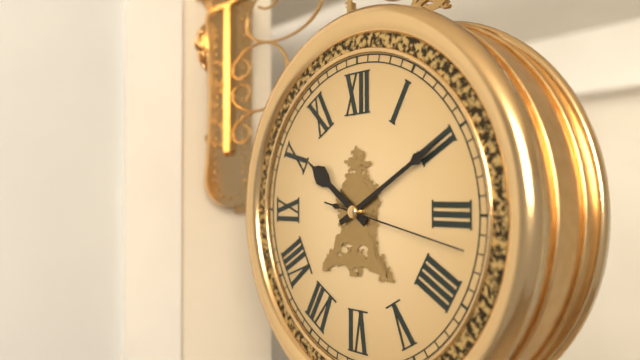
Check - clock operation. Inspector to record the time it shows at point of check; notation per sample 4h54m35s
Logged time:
10h10m17s
